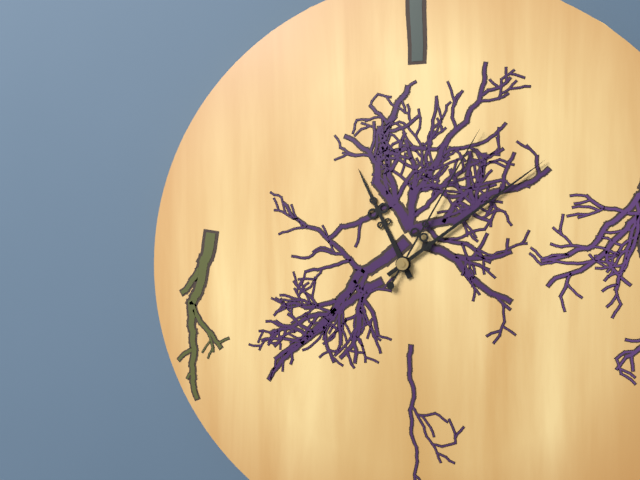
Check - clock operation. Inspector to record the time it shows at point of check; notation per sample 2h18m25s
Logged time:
11h09m05s
